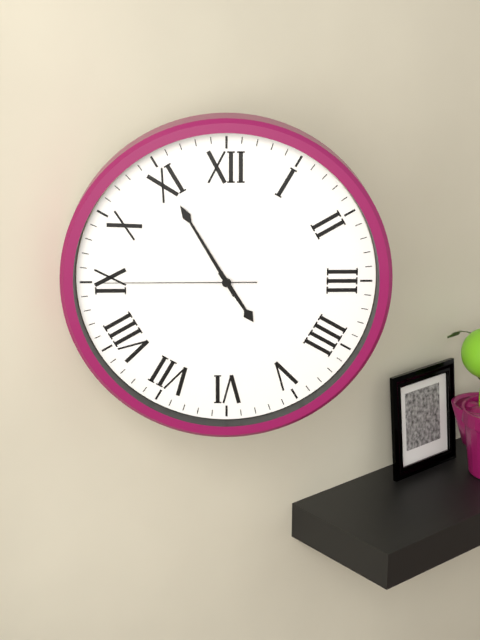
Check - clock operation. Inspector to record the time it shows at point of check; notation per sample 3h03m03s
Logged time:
4h55m45s
